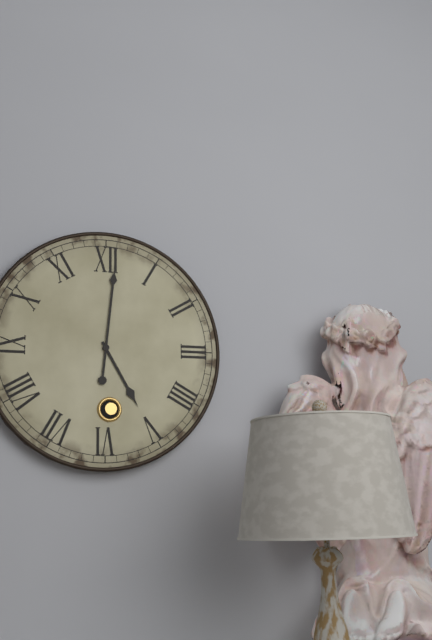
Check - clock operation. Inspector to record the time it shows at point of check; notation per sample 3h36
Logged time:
5h01
